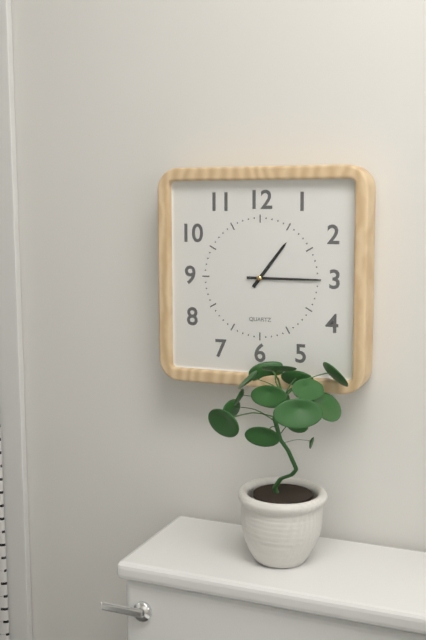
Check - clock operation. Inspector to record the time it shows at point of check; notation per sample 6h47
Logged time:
1h15
